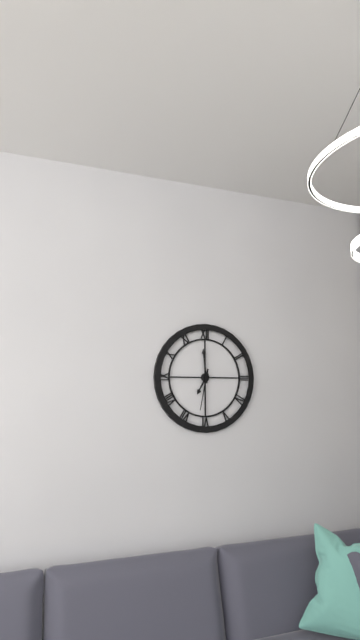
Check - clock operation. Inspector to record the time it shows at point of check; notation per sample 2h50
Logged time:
6h59
